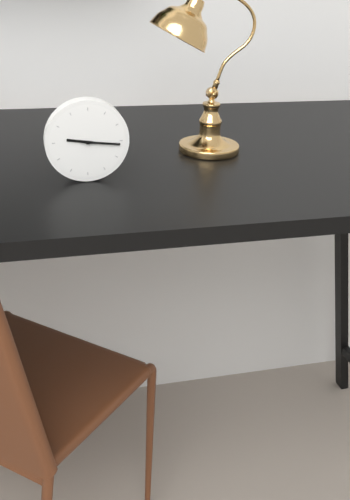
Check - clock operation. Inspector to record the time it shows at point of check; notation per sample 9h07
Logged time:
9h16
